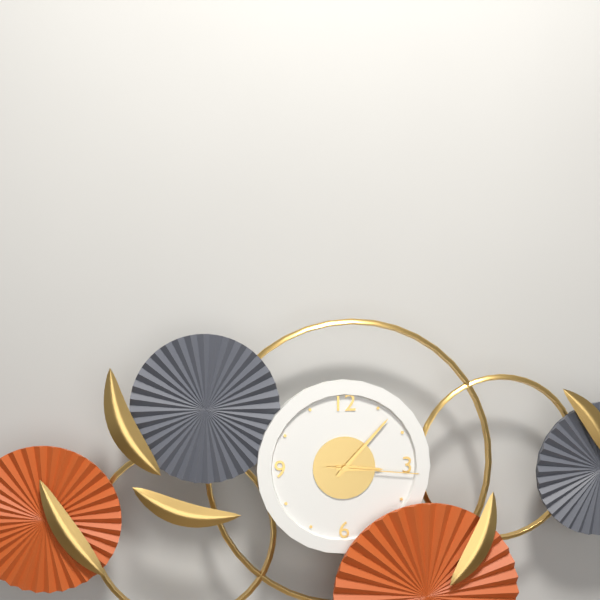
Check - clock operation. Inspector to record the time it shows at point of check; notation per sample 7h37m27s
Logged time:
3h07m16s
